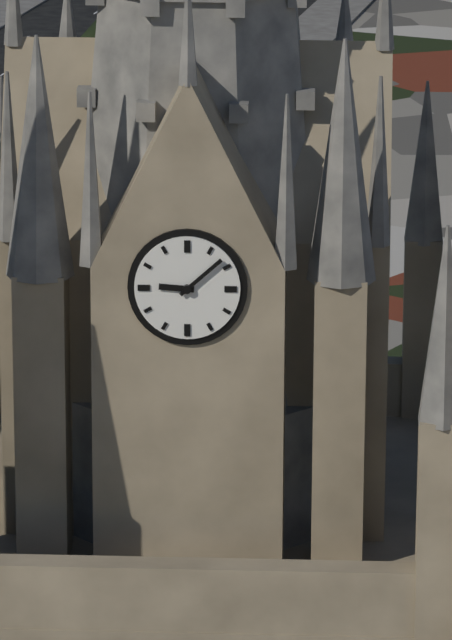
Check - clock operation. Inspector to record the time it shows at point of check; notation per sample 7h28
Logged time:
9h08
